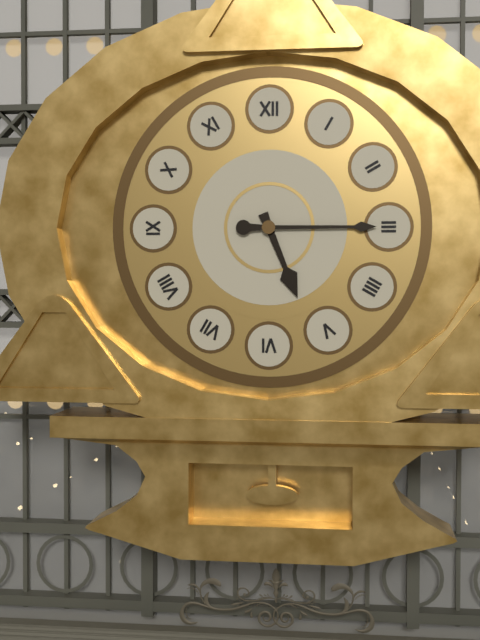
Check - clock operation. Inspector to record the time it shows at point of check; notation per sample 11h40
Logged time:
5h15
